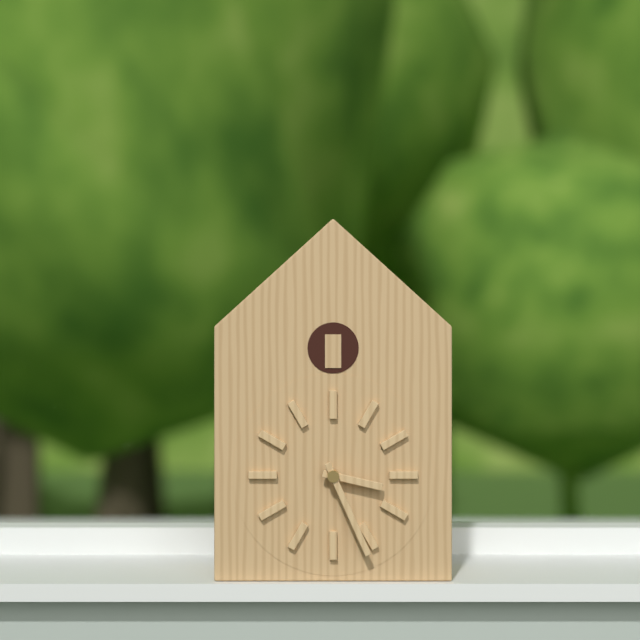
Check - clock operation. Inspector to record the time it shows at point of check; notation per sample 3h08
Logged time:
3h26
